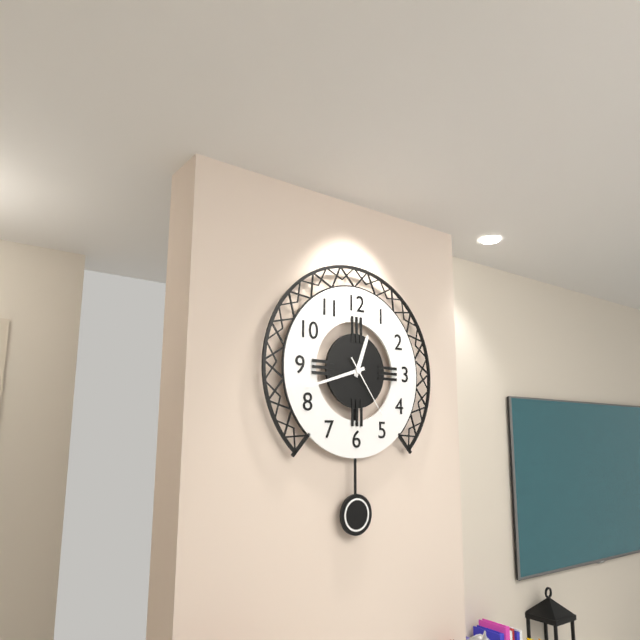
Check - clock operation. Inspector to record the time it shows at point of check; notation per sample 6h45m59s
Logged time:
12h42m24s
